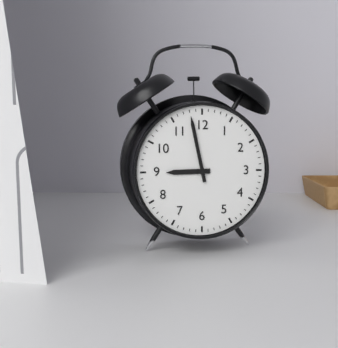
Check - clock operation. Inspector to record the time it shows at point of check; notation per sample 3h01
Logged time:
8h58
